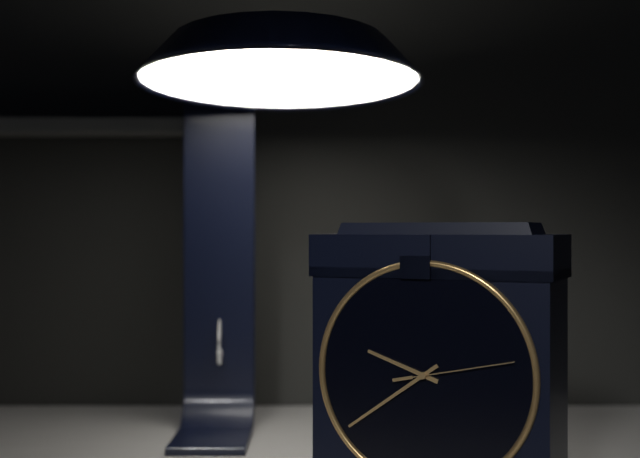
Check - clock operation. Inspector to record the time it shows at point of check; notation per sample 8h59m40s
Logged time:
9h39m13s
